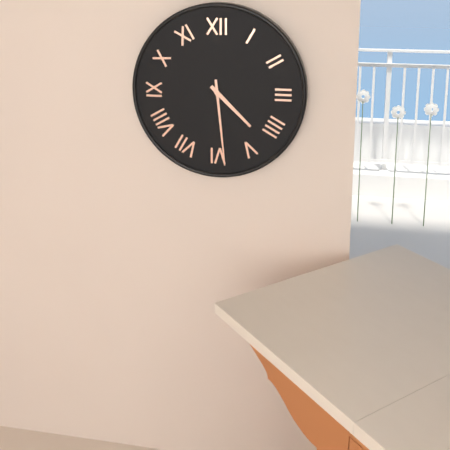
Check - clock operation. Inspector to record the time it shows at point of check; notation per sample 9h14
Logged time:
4h29
